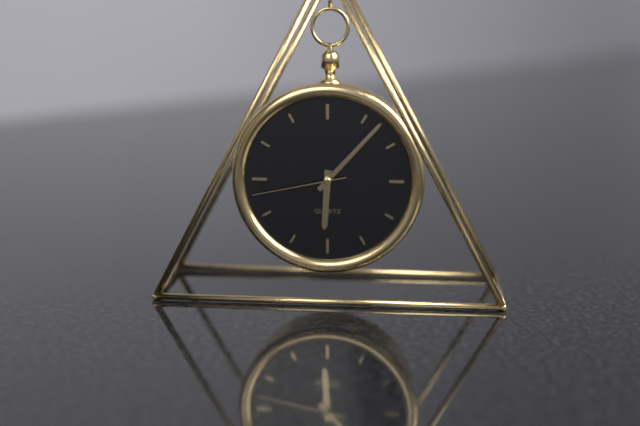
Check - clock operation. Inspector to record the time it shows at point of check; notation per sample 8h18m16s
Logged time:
6h07m43s
